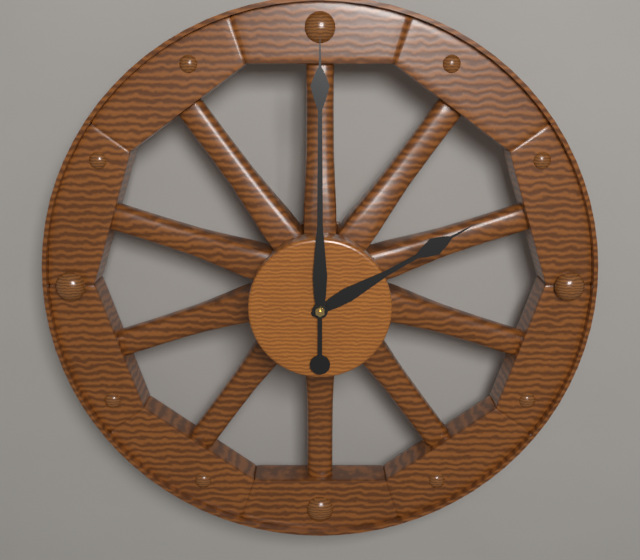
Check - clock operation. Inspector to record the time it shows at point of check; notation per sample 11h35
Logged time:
2h00
